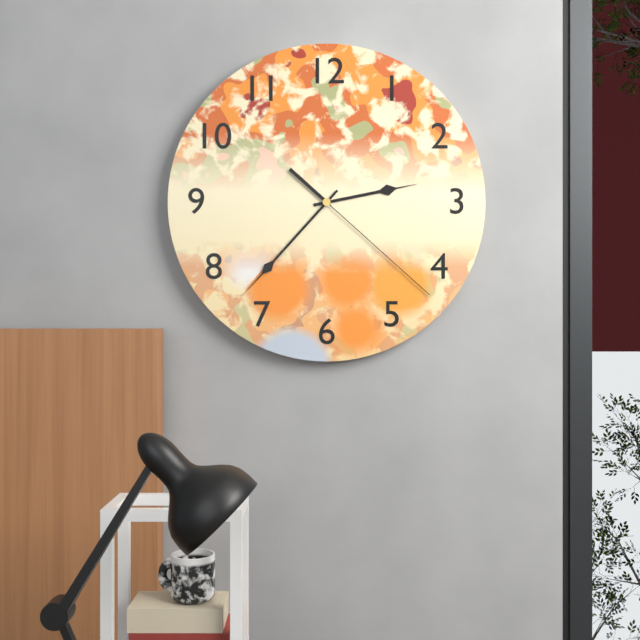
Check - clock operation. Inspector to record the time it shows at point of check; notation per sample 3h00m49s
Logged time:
2h37m22s
